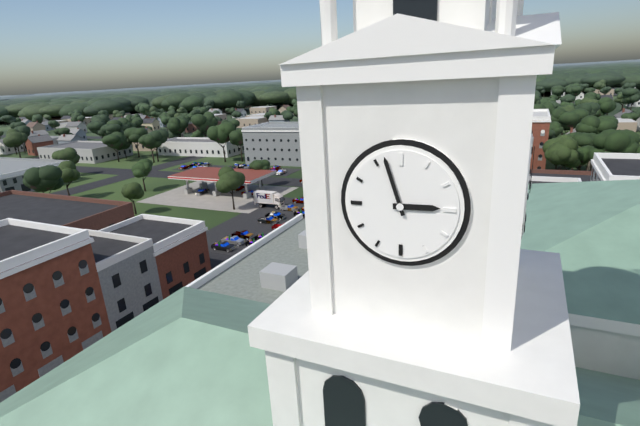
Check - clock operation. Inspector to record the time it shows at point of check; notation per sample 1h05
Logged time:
2h57
